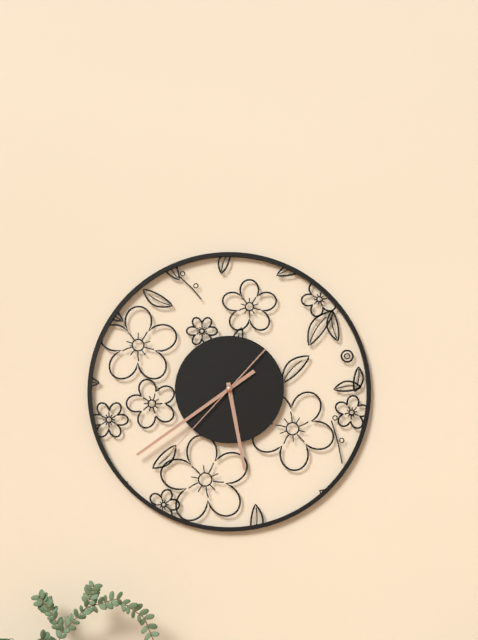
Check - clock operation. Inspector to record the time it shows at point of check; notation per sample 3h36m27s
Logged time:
5h39m37s
